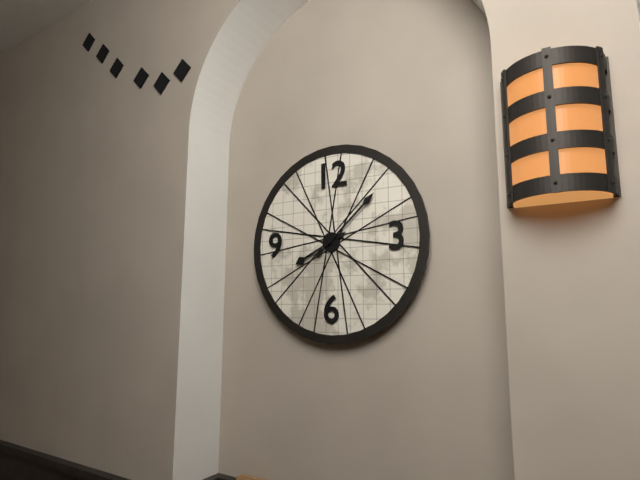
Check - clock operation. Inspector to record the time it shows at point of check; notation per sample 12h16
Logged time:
8h08
